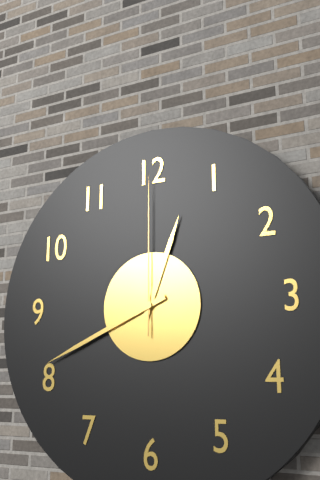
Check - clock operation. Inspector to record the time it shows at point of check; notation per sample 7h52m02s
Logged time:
12h41m00s
